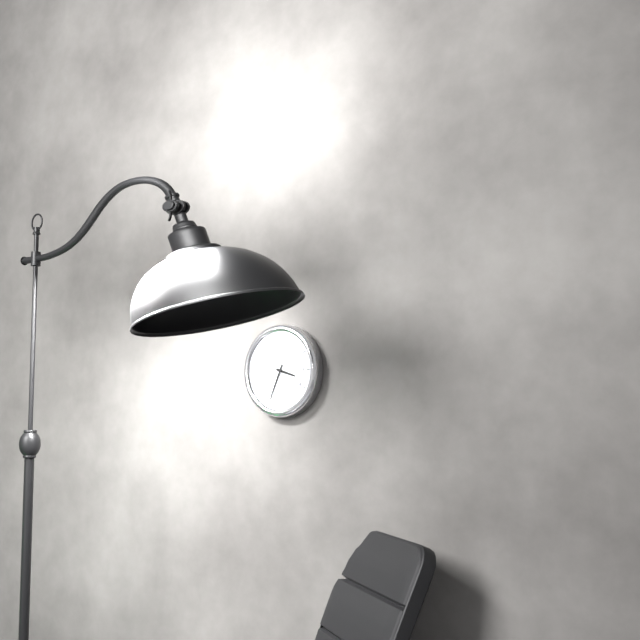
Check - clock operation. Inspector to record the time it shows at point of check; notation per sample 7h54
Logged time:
3h34
